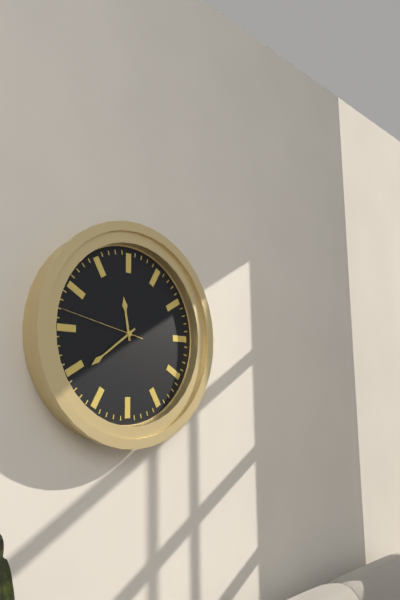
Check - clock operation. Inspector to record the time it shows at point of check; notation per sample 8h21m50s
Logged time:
11h39m47s
